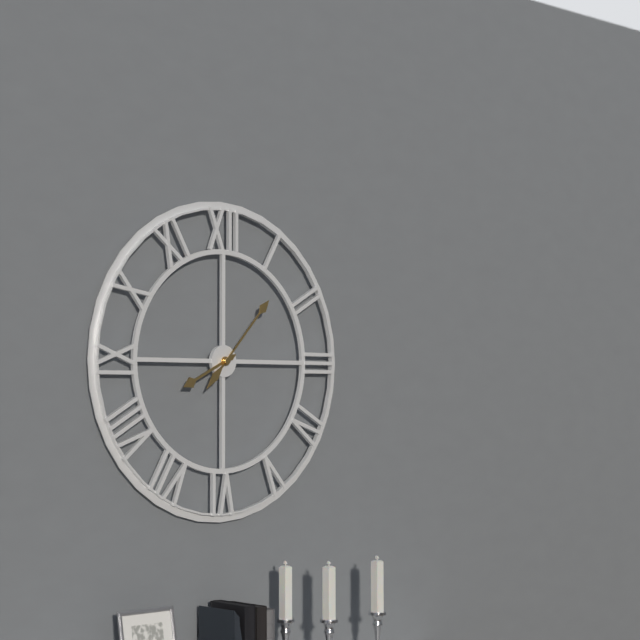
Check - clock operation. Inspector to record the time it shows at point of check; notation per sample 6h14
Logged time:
8h07
